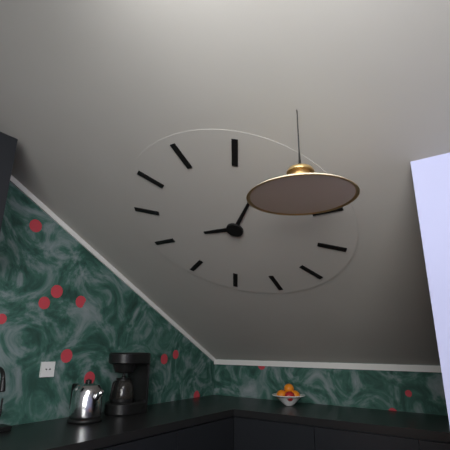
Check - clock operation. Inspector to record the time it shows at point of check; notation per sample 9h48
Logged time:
9h08
